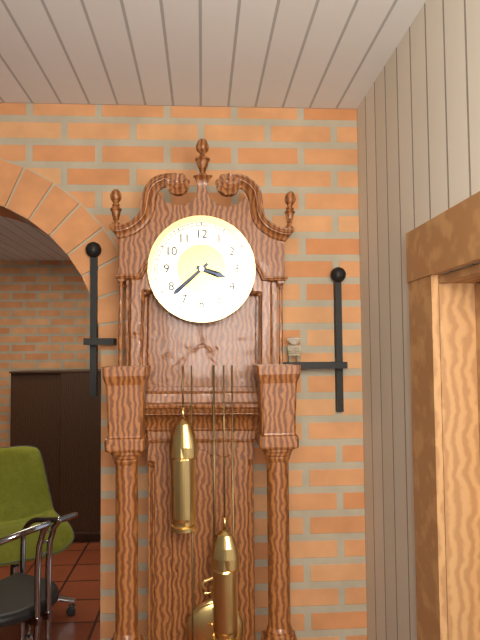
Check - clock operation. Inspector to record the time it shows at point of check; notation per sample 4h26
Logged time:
3h38
